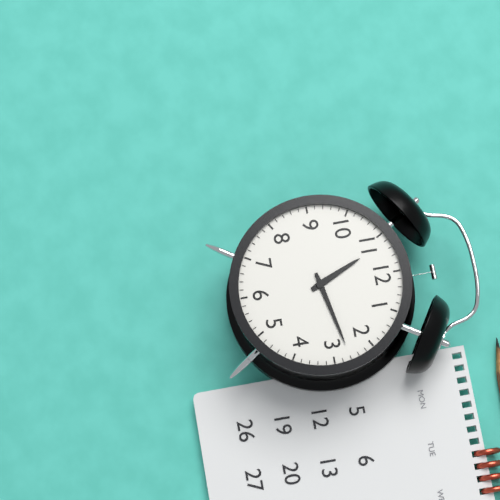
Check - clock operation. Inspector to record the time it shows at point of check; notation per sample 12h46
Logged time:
11h13
